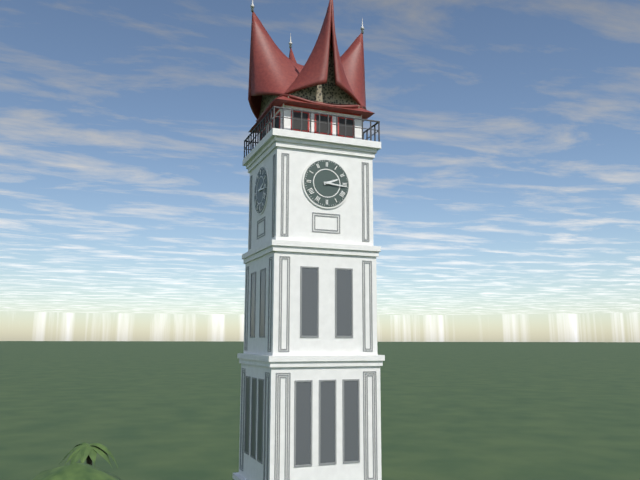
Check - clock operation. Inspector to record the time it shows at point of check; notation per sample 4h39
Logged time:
2h16
